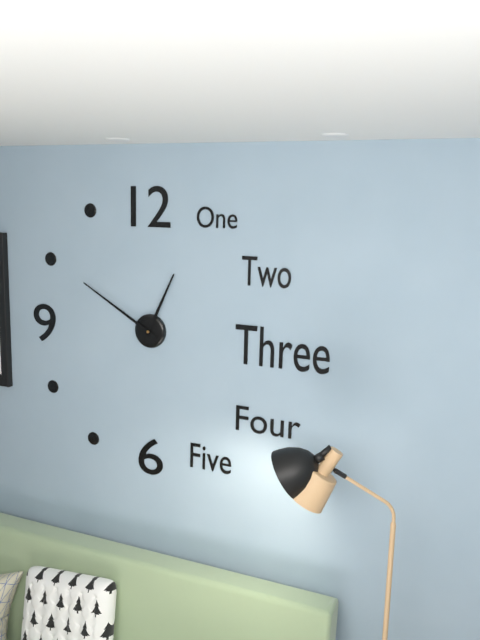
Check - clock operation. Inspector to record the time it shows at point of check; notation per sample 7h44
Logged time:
12h50
